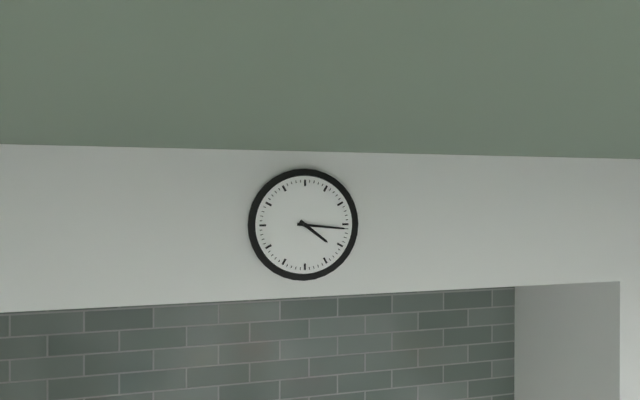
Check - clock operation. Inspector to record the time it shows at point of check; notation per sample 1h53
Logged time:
4h16
